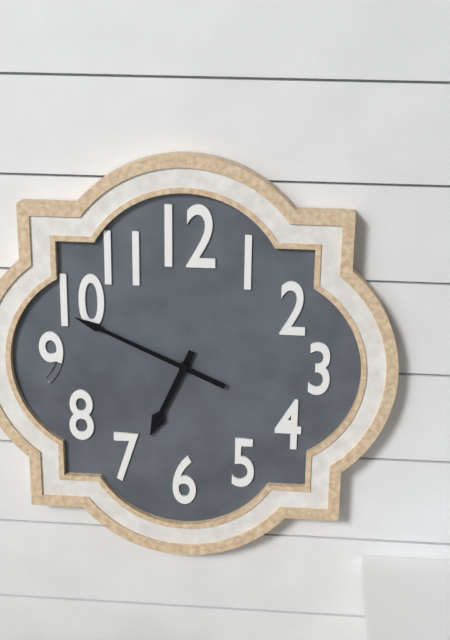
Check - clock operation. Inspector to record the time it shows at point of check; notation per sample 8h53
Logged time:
6h49
